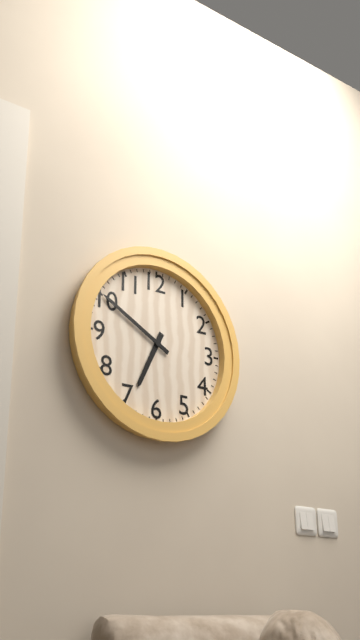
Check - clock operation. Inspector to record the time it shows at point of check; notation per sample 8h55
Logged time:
6h50
